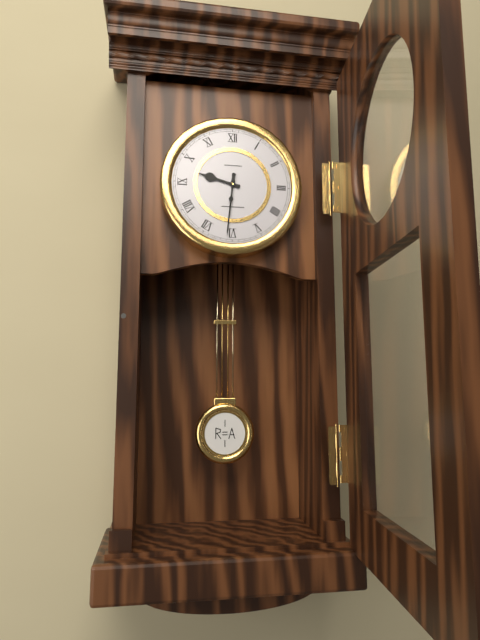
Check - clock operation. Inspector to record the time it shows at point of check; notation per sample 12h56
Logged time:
9h31
